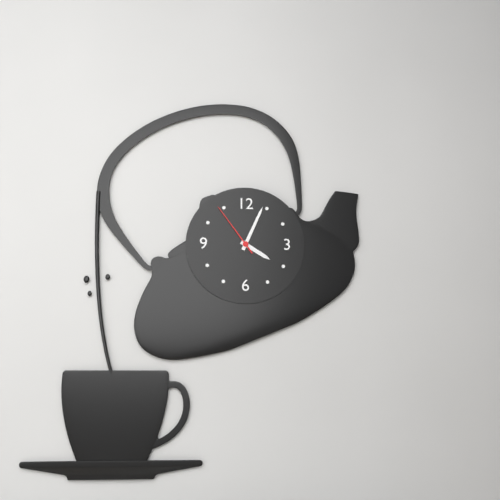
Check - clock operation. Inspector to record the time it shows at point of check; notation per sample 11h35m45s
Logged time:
4h04m54s
